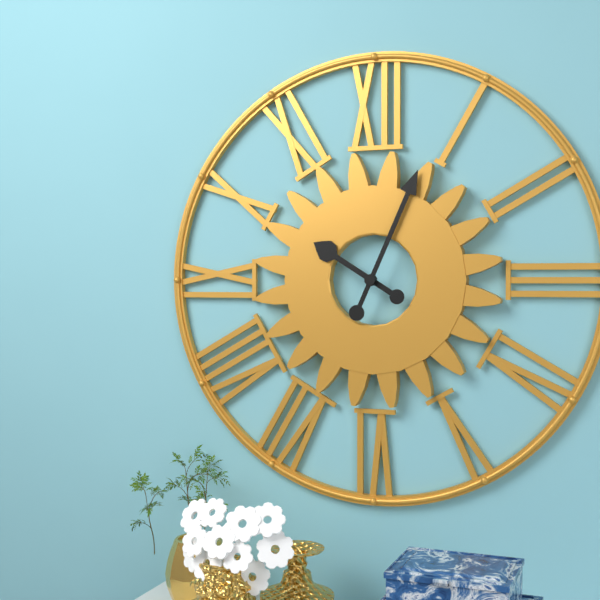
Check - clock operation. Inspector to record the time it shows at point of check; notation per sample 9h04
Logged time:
10h04
